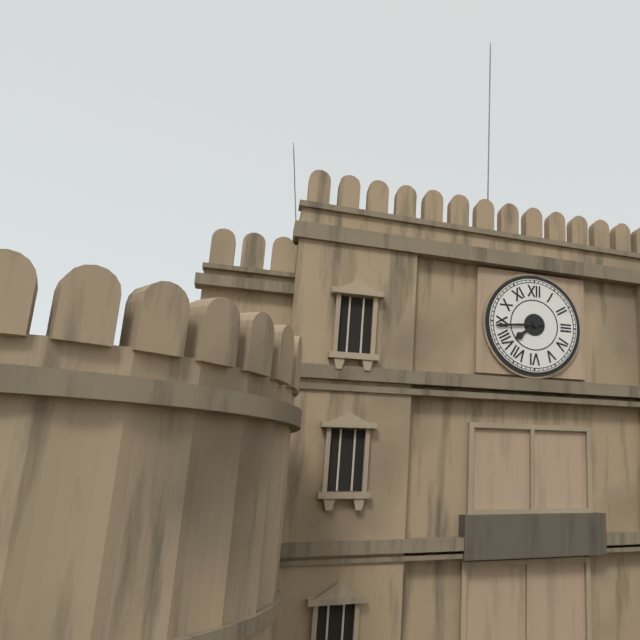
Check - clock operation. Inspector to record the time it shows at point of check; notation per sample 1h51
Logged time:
7h44
